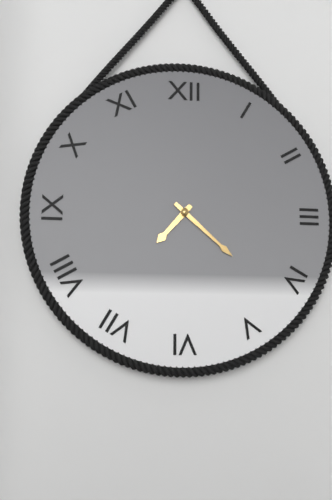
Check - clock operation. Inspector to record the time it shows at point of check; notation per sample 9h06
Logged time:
7h22
